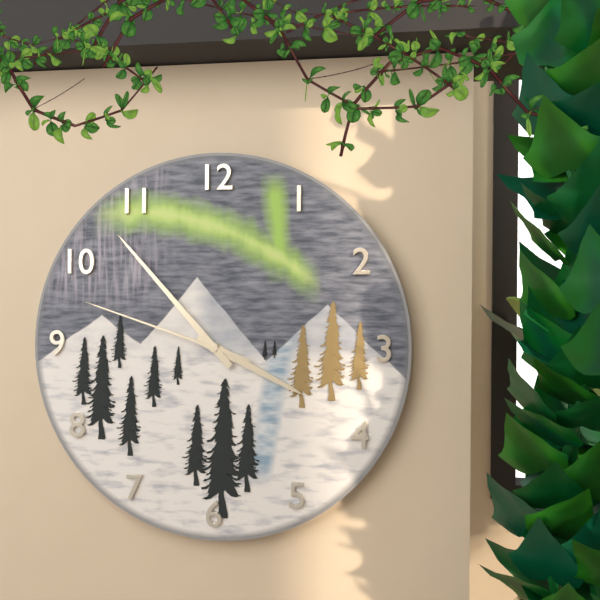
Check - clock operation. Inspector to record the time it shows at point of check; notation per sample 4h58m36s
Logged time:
3h53m48s
